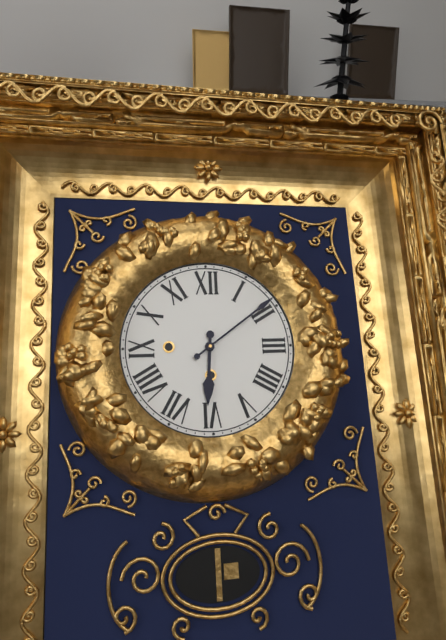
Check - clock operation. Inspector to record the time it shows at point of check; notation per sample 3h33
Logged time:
6h09
